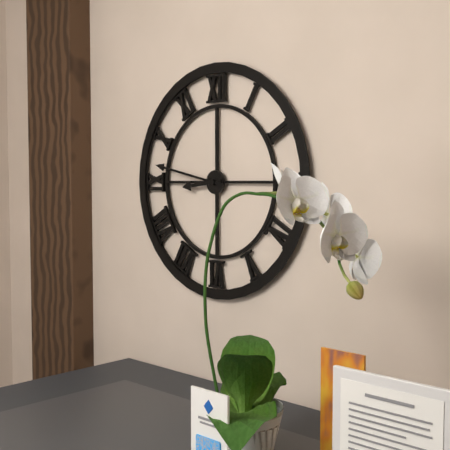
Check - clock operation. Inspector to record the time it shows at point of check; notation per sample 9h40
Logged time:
8h47
